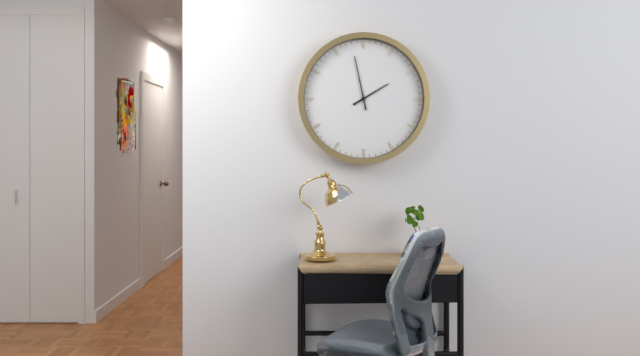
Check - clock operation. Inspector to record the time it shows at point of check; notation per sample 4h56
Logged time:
1h58
